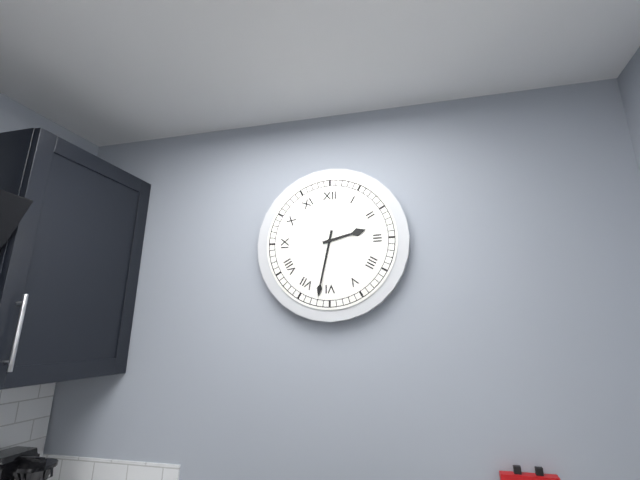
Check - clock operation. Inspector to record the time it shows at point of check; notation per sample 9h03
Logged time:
2h32
